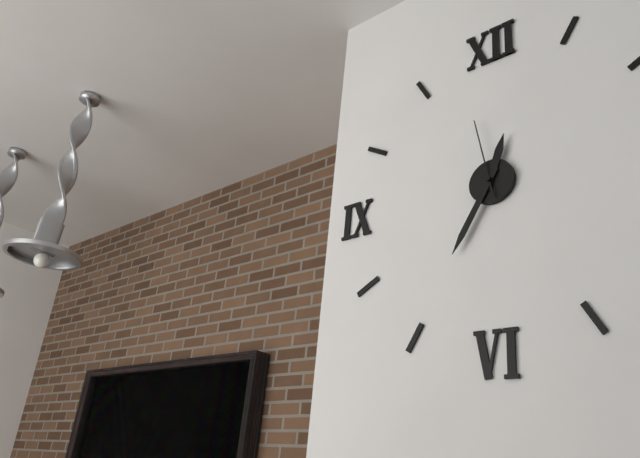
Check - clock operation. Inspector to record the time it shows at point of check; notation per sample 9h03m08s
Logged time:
12h35m58s
